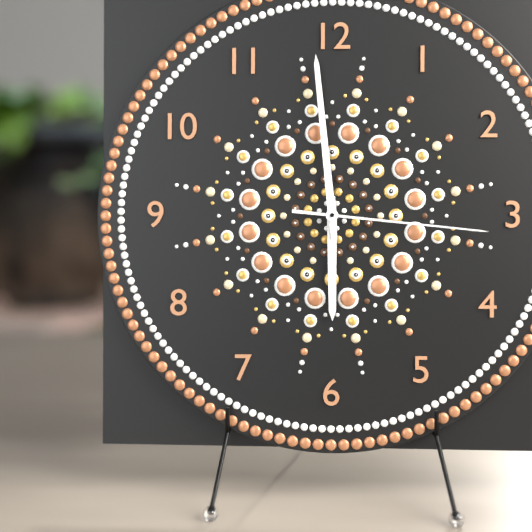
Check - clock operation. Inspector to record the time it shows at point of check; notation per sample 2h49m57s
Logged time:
5h59m16s
